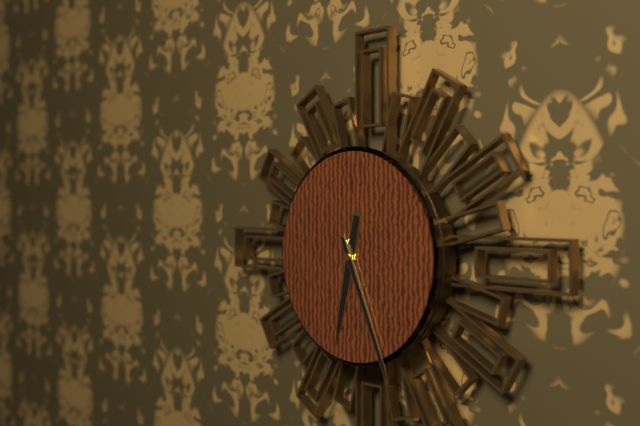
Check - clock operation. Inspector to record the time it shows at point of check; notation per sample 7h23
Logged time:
6h26
